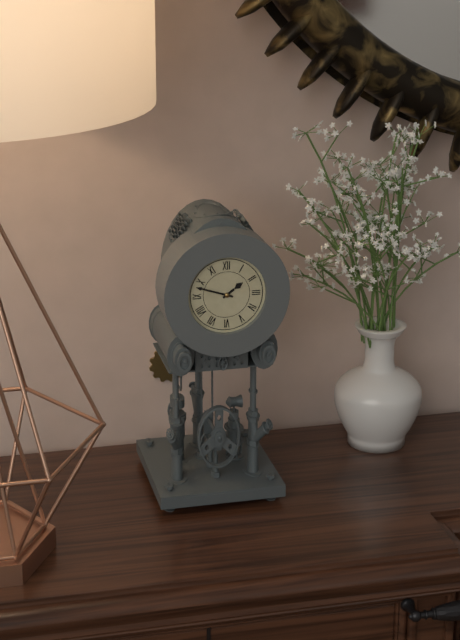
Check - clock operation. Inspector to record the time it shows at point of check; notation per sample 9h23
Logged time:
1h48
